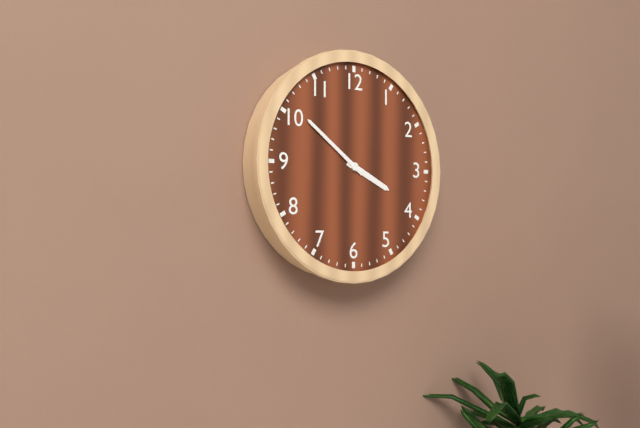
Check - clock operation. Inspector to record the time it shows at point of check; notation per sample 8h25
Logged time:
3h51
